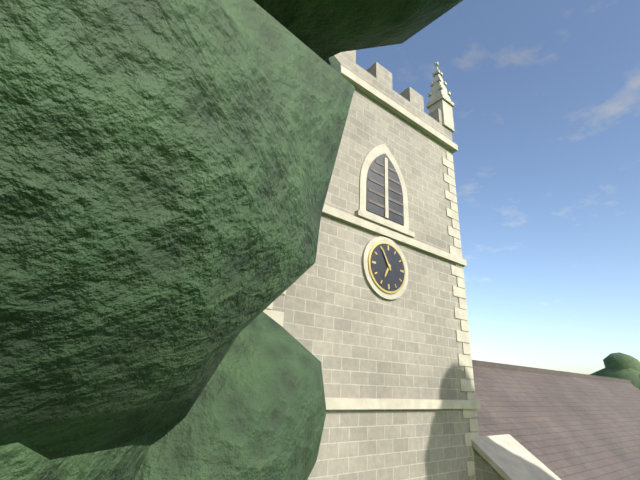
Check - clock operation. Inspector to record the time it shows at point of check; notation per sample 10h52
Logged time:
6h55
